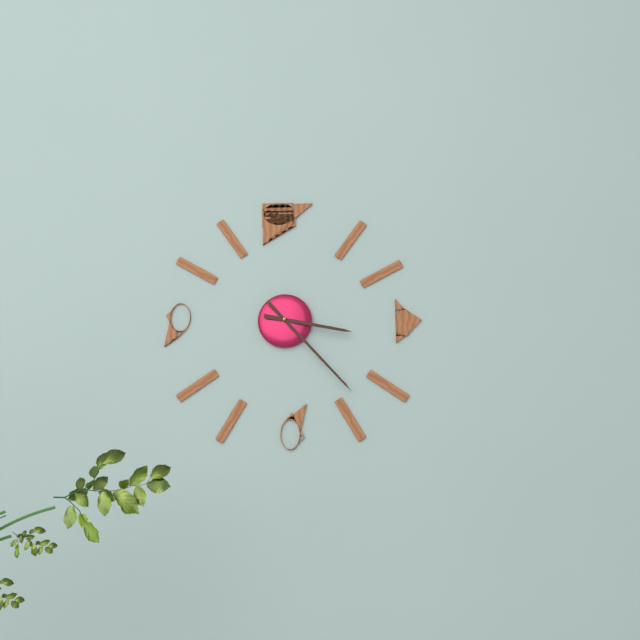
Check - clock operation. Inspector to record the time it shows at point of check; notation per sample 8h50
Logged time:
3h23
